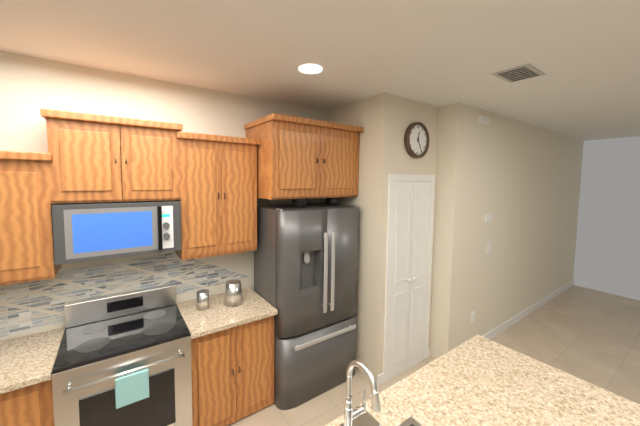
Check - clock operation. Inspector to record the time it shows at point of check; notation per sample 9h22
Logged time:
12h25
